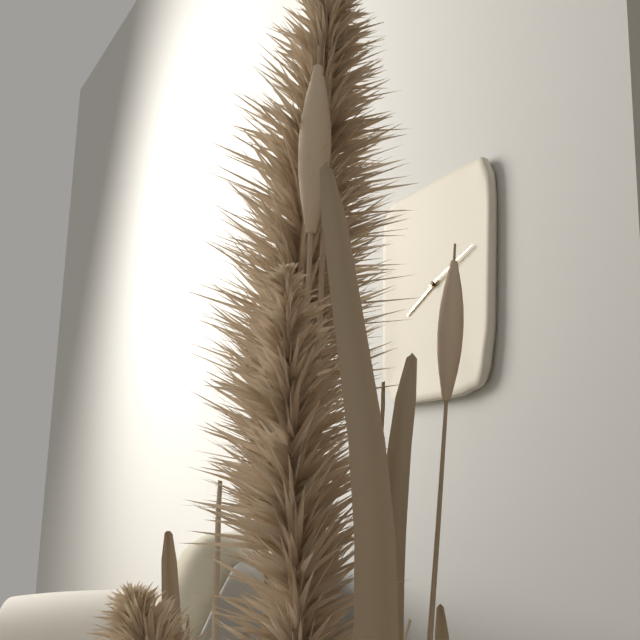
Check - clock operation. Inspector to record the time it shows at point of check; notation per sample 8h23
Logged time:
8h12
